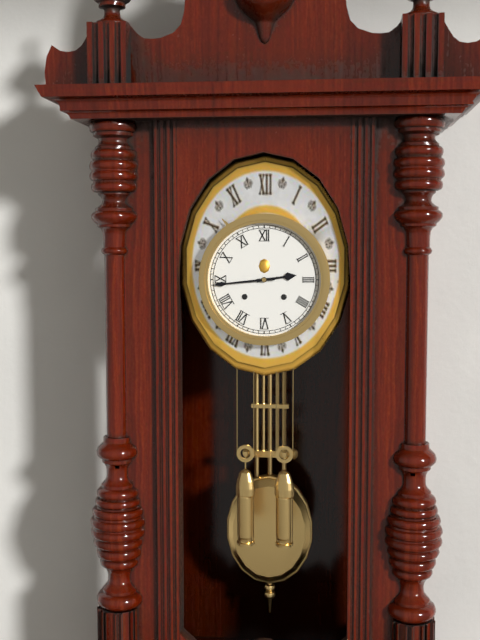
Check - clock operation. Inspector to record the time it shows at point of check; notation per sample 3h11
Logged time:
2h44
